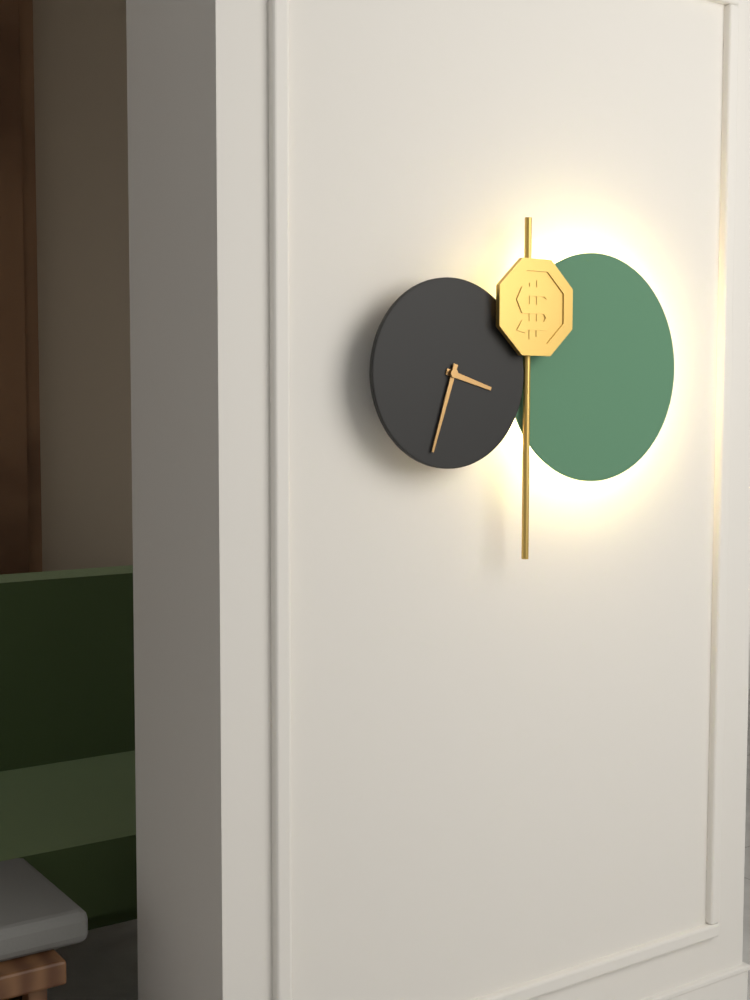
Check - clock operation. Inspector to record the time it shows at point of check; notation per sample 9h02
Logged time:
3h33
